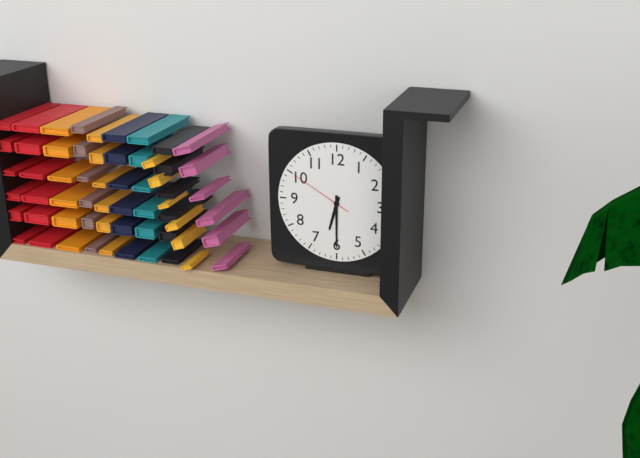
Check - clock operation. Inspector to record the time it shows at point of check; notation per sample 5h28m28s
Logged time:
6h30m50s
